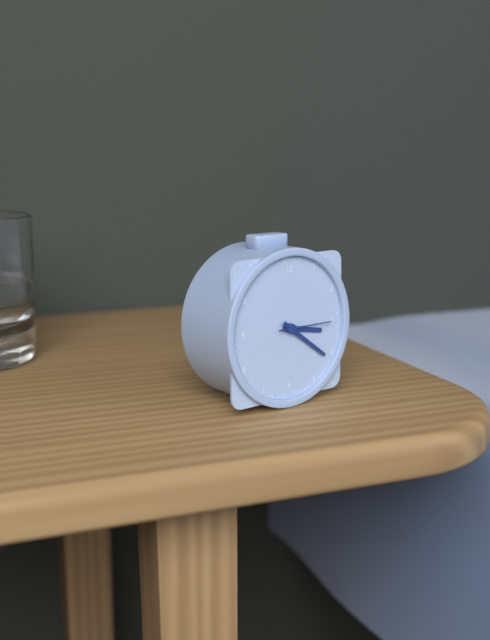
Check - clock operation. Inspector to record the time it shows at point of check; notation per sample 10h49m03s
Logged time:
3h21m15s
